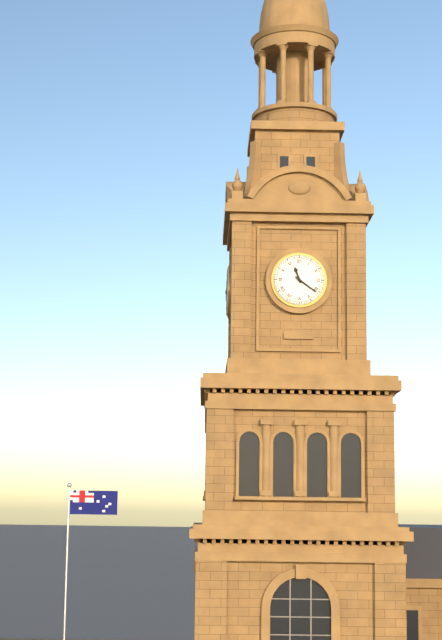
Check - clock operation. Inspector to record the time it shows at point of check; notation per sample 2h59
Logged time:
11h21
